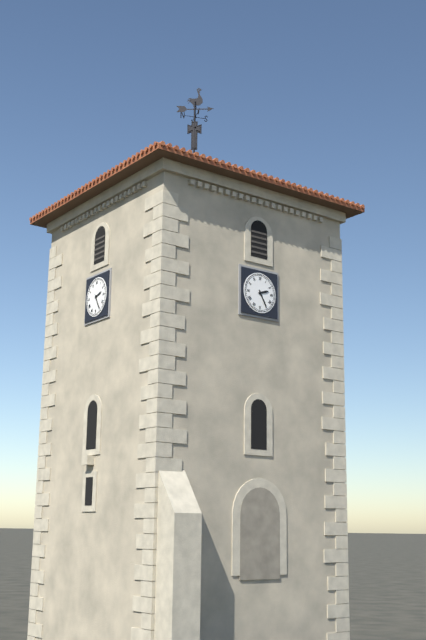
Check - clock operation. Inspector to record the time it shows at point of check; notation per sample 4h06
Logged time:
2h25
